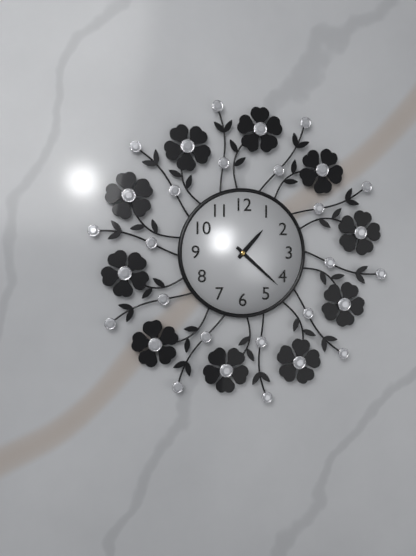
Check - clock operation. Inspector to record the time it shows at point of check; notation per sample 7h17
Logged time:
1h22
